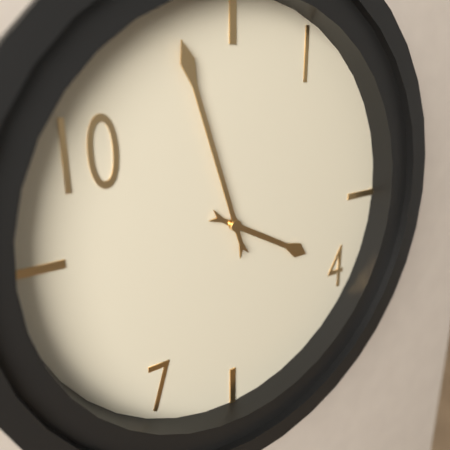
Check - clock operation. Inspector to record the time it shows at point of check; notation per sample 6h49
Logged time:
3h57
